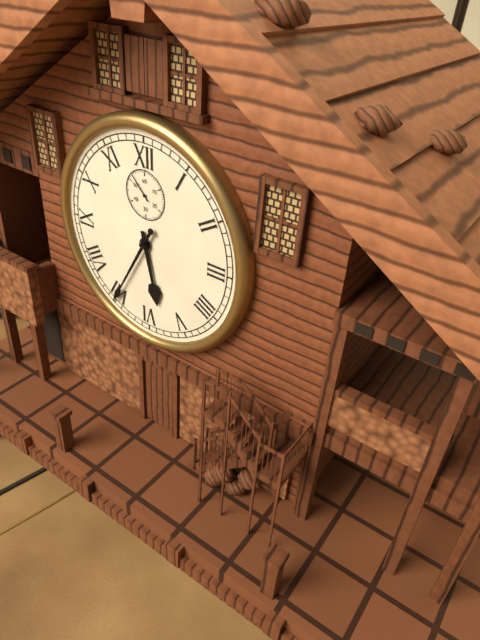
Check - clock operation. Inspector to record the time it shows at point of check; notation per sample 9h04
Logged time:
5h35
